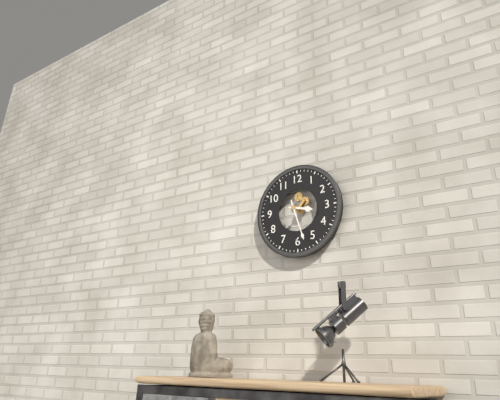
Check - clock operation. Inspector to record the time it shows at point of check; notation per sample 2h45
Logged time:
3h27
